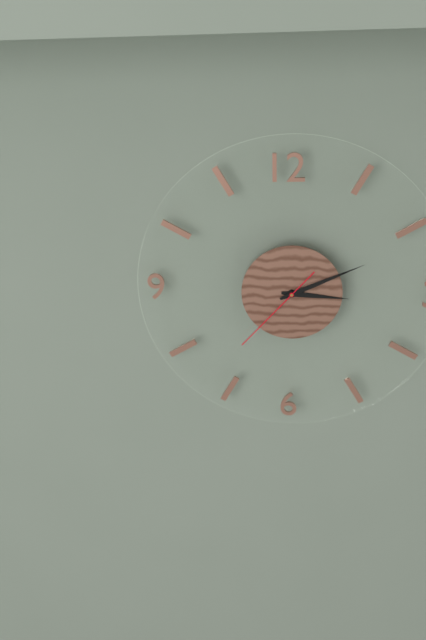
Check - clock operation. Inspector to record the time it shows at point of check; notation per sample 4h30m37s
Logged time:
3h11m37s
